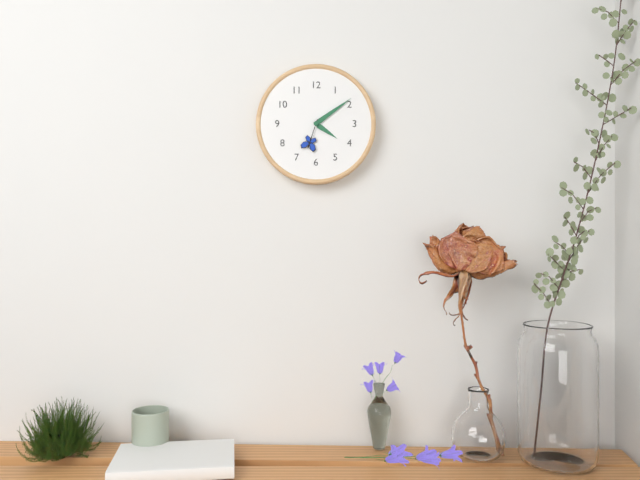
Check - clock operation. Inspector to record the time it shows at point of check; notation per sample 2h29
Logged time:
4h09
